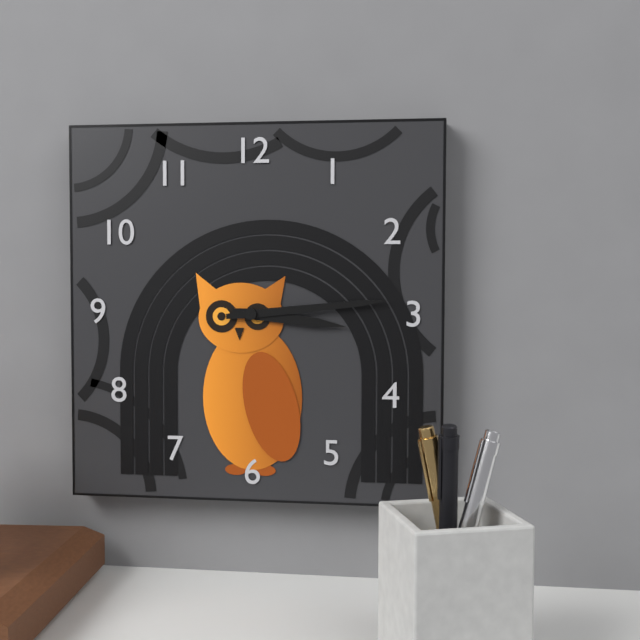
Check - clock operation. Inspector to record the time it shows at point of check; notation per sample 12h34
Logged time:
3h14
